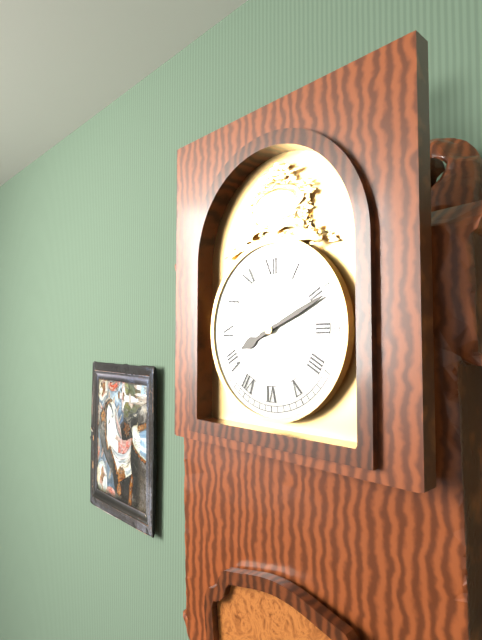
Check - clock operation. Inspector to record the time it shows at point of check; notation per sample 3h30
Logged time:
8h11
